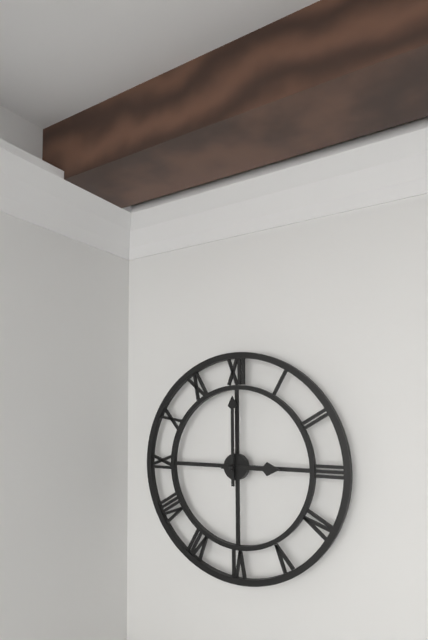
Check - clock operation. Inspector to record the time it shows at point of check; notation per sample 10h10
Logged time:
3h00
